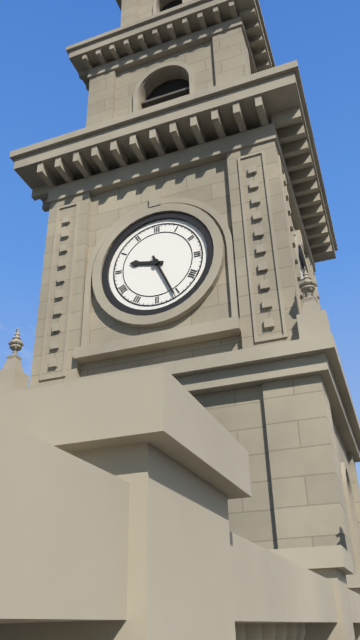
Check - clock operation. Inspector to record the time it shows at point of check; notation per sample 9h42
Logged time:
9h26
